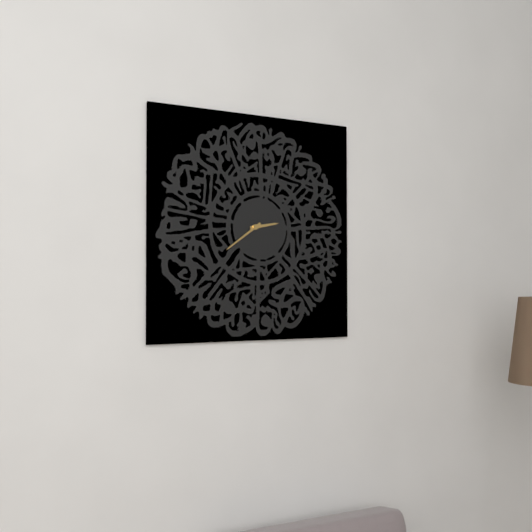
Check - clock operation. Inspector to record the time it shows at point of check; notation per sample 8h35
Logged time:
2h39
